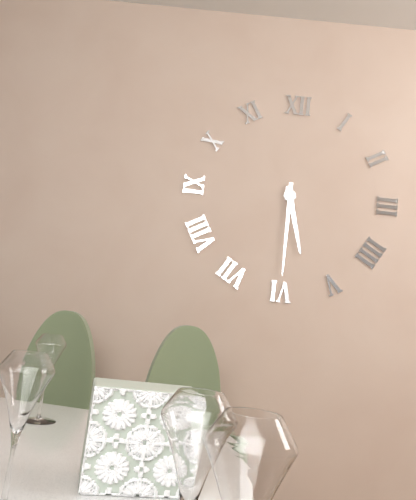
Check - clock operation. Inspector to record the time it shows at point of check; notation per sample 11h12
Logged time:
5h30
